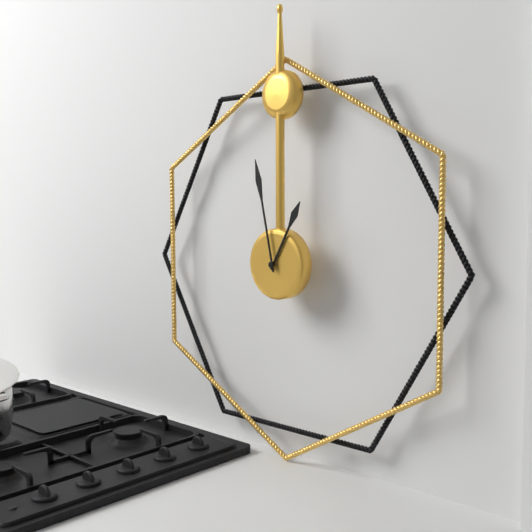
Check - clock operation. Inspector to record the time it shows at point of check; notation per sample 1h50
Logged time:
12h58
